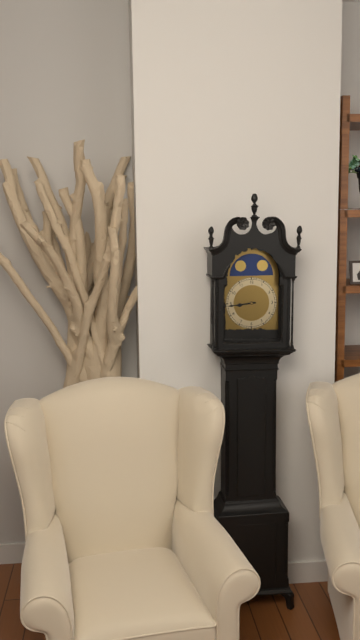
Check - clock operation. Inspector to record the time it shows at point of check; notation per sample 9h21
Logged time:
8h44
